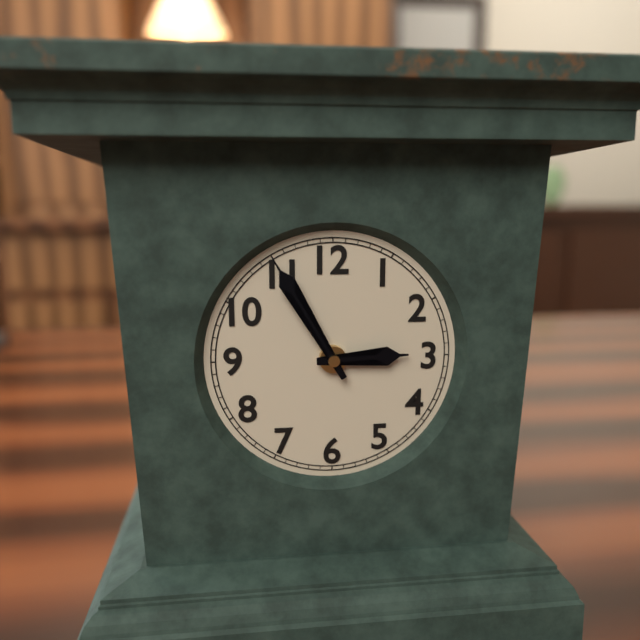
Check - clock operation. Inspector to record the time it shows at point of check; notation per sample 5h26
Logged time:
2h55
